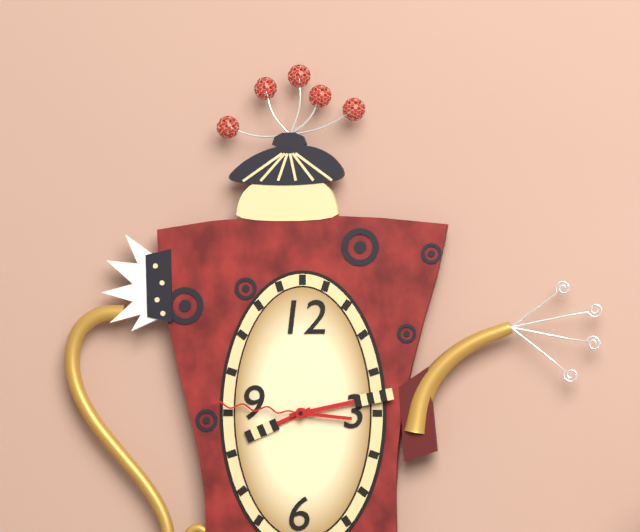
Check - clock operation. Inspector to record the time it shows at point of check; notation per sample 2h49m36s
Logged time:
8h13m46s
